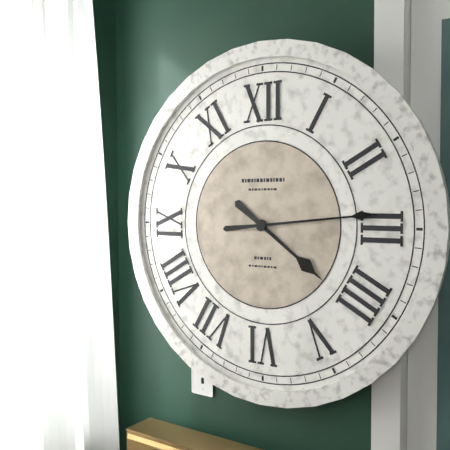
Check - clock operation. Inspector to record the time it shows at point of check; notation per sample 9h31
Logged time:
4h14
